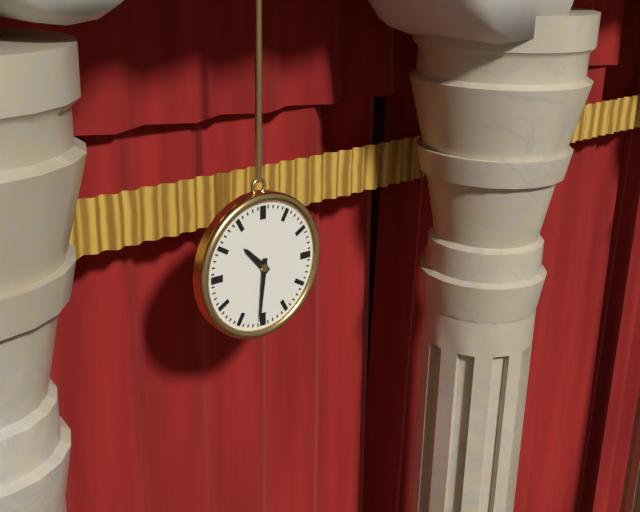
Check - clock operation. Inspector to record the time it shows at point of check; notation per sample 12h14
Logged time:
10h31
